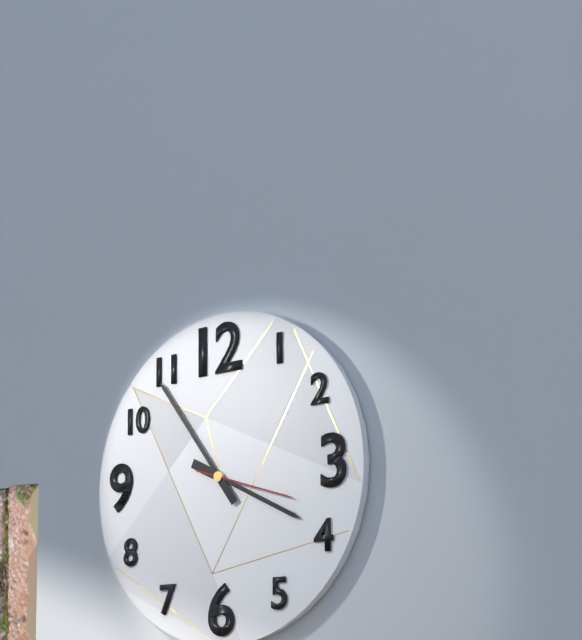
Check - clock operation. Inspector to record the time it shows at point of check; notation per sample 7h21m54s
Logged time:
3h54m18s
